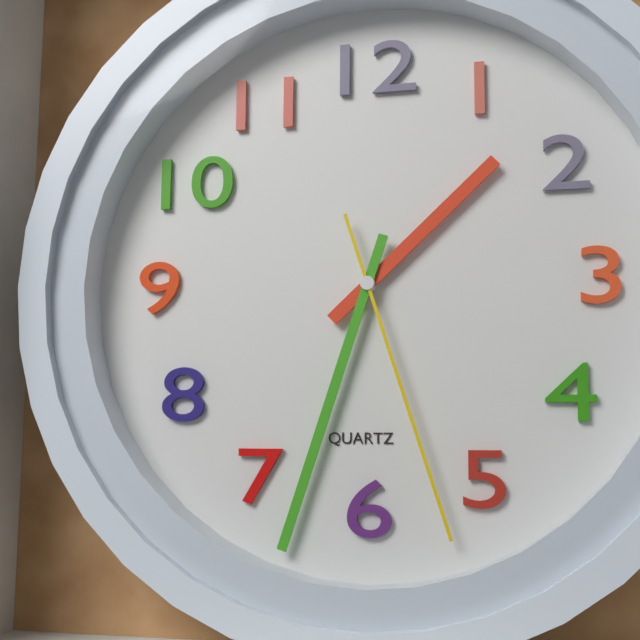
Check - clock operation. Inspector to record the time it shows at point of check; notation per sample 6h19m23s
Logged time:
1h33m27s
